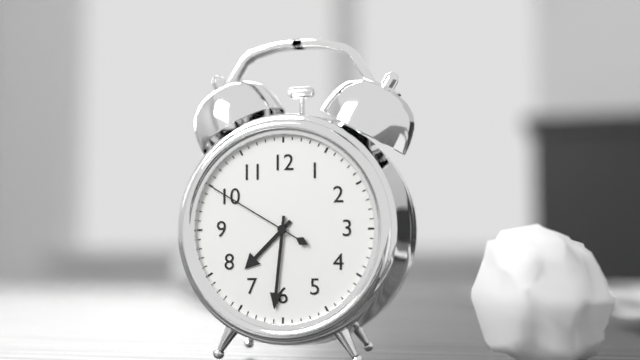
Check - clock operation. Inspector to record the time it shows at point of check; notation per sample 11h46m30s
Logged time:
7h31m50s
